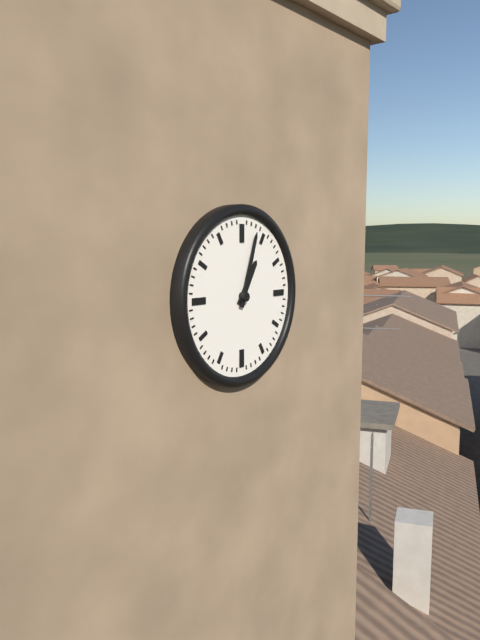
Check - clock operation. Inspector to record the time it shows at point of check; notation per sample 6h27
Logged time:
1h03
